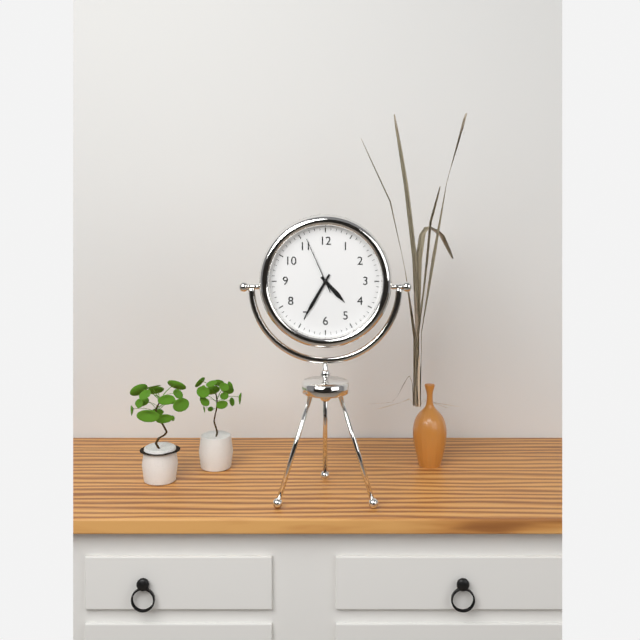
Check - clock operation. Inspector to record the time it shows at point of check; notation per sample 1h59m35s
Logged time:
4h35m56s
